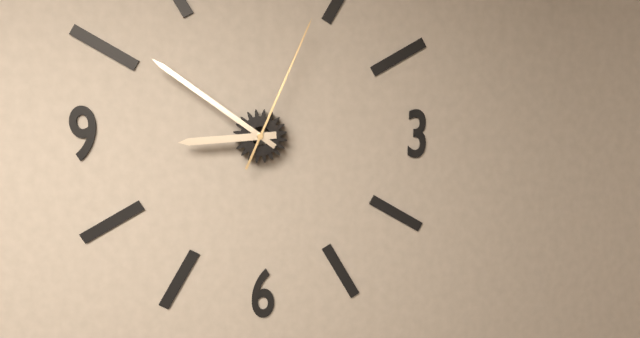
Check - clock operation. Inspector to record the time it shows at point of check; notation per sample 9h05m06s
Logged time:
8h51m04s
